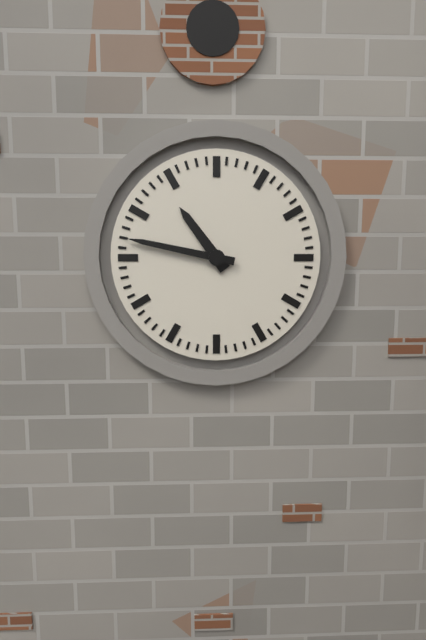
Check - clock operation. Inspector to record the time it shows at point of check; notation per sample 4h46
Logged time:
10h47
